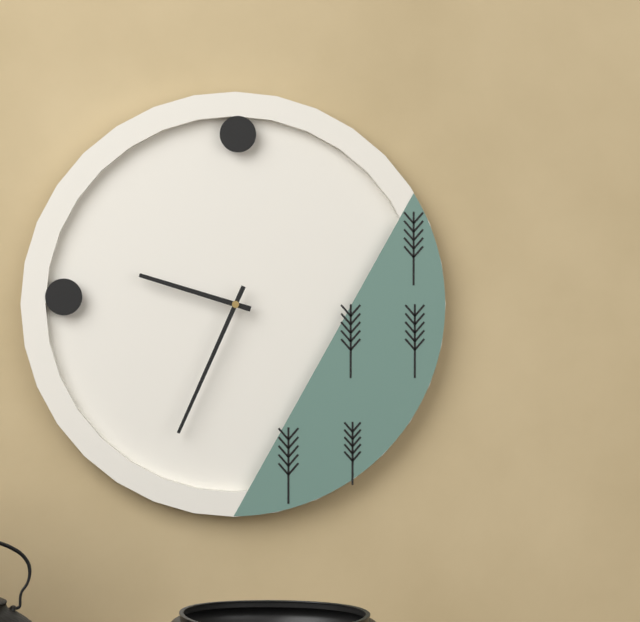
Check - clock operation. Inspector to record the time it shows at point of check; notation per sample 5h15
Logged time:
9h34
